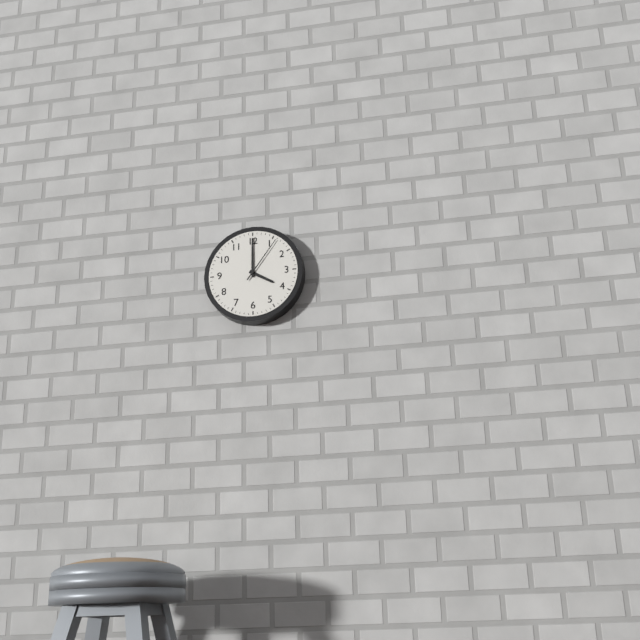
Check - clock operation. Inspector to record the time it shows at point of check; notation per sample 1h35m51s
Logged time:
4h00m06s
